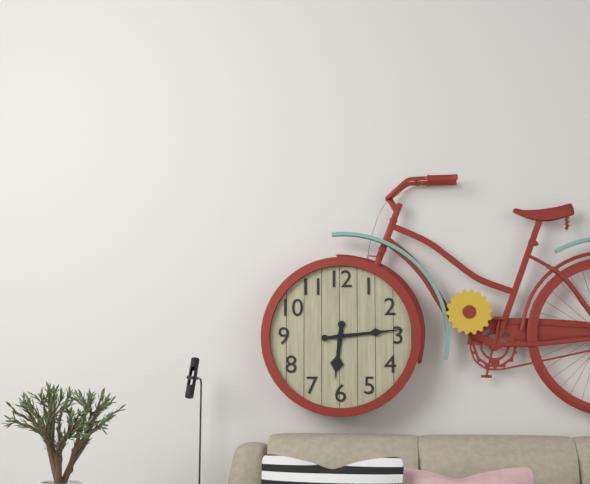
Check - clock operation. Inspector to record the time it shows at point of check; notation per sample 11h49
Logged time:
6h14
